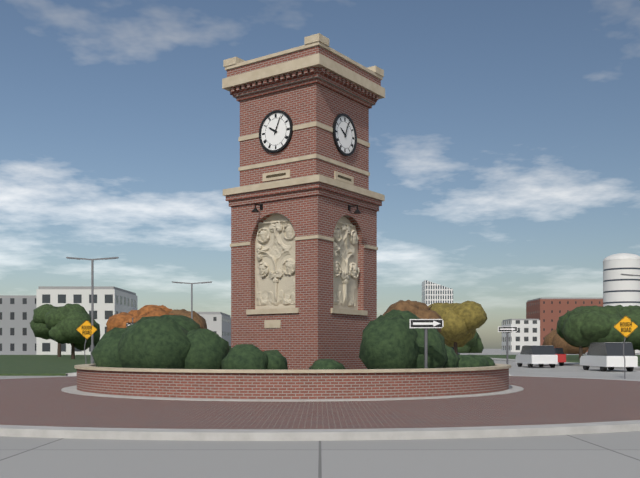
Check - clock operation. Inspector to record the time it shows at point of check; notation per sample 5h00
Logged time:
10h04
